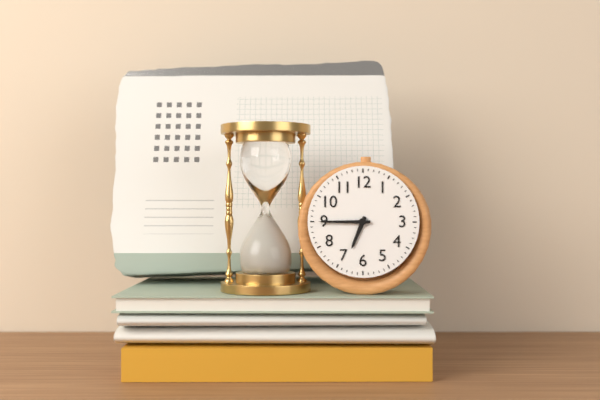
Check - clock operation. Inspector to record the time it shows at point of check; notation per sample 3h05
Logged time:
6h45
